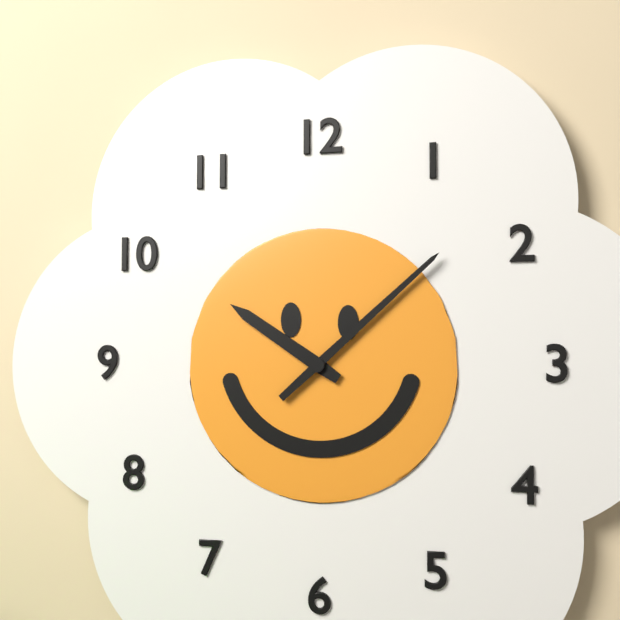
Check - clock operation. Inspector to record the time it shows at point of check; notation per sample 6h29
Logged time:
10h08
